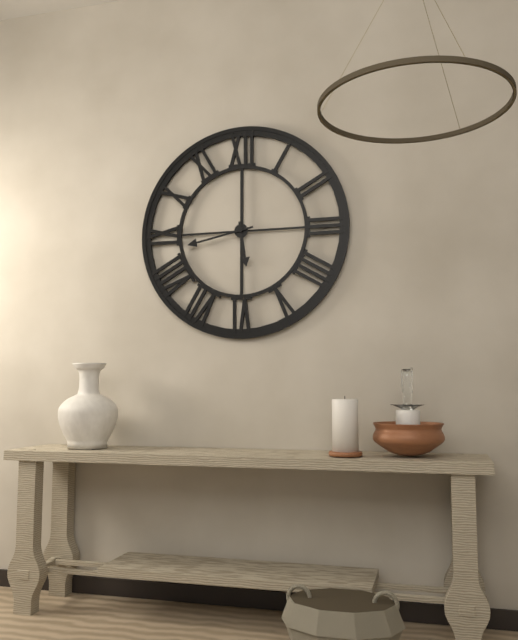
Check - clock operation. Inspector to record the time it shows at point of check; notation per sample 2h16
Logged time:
5h43
